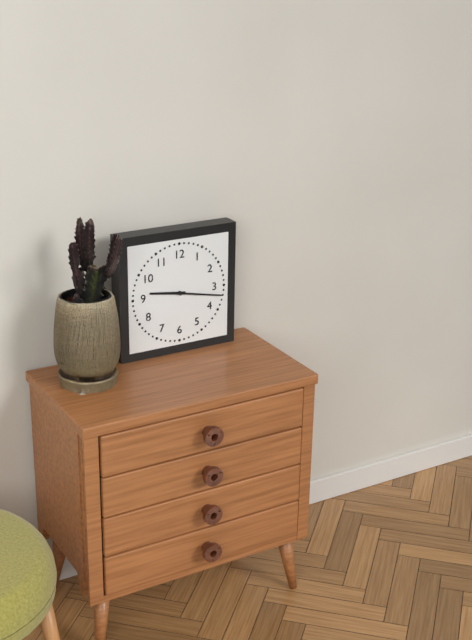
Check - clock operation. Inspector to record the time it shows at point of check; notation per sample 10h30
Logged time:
9h17
